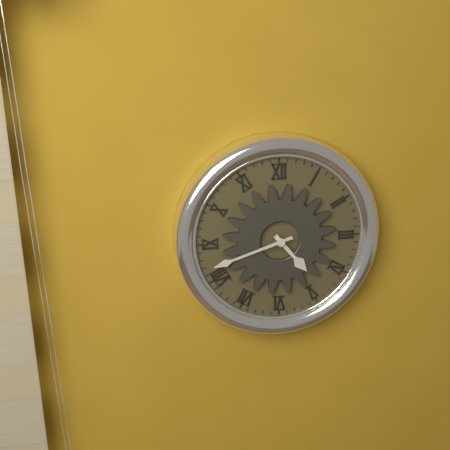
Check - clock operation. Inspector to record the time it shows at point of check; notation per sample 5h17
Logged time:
4h42
